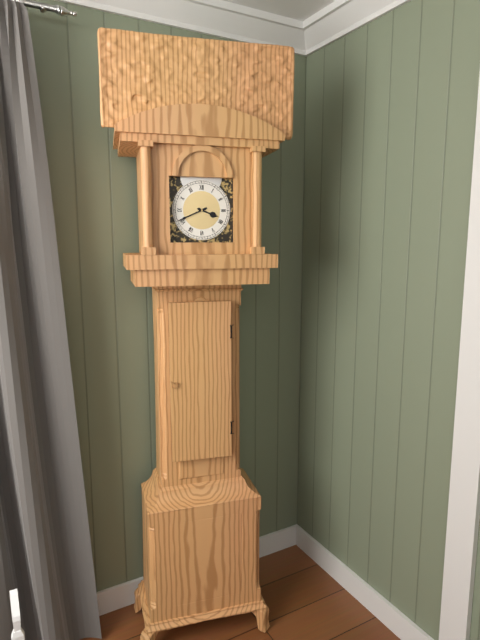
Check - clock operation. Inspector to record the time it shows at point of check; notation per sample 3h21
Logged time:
3h41
